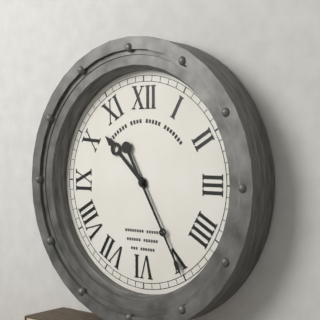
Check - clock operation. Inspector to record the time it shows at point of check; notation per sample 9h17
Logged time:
10h25
